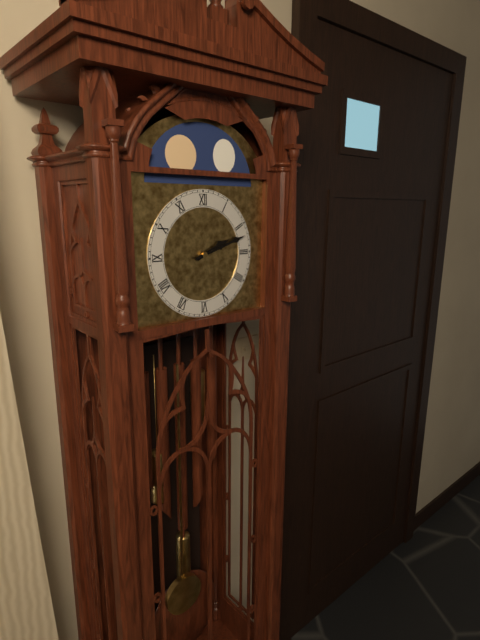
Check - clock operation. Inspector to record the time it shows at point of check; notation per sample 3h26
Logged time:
2h12
